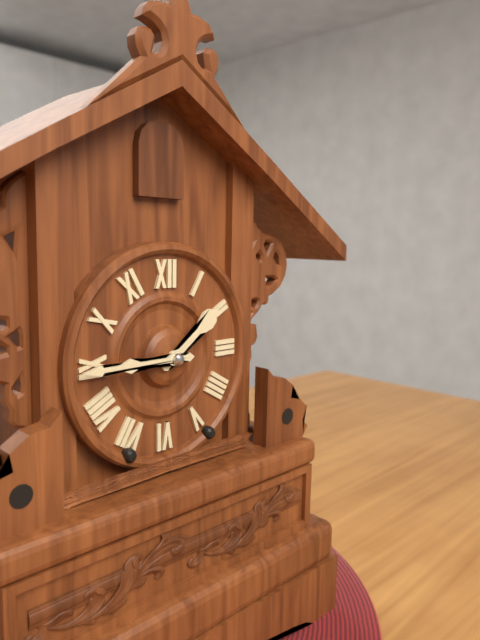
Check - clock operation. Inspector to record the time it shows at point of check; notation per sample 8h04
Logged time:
1h45
